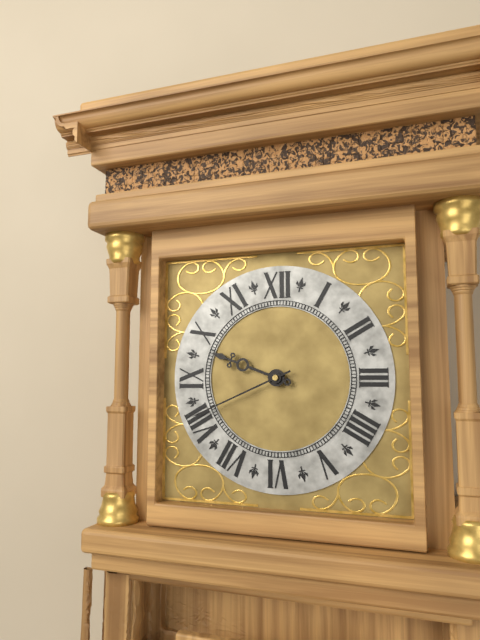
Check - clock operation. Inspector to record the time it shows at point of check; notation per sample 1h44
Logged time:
9h41
